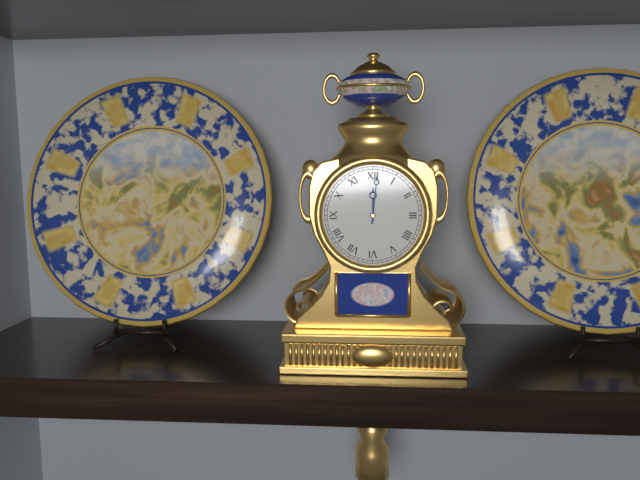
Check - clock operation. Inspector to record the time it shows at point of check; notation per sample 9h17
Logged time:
12h01
